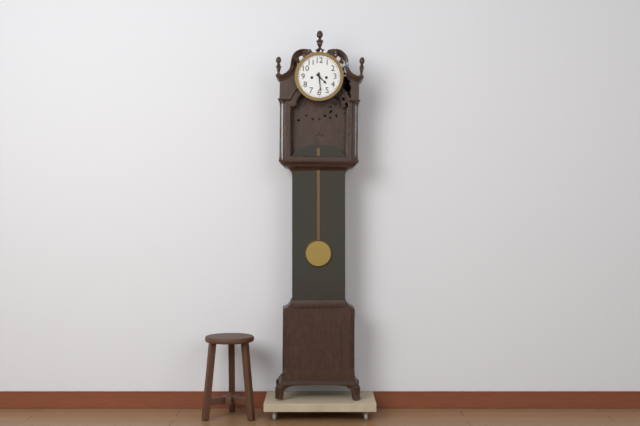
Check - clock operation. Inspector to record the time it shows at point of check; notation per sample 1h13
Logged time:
4h29
